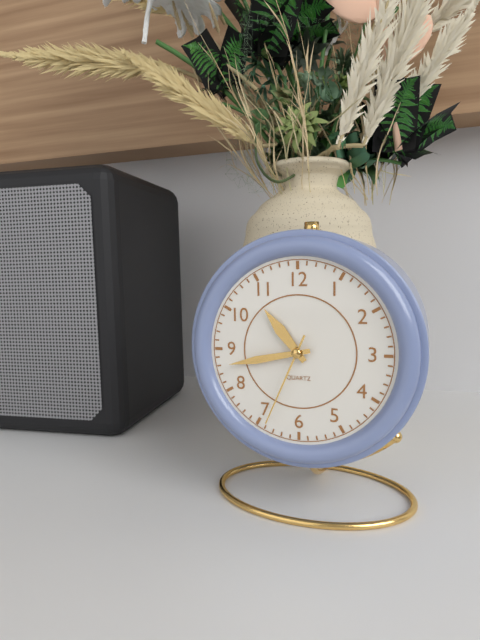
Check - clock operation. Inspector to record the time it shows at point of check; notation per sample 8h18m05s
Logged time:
10h43m34s
